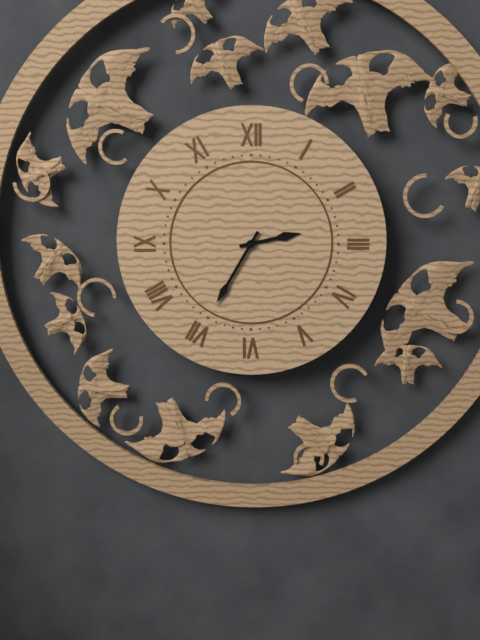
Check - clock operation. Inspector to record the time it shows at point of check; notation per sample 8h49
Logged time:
2h35
